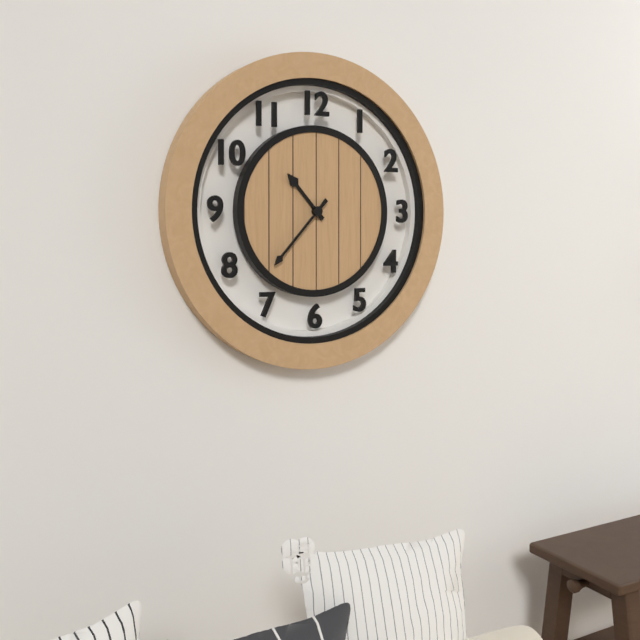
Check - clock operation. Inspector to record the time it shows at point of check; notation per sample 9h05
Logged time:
10h37
